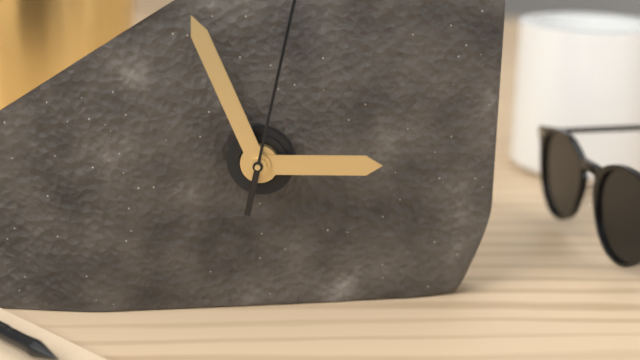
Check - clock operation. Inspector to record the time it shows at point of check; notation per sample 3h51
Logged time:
2h56
